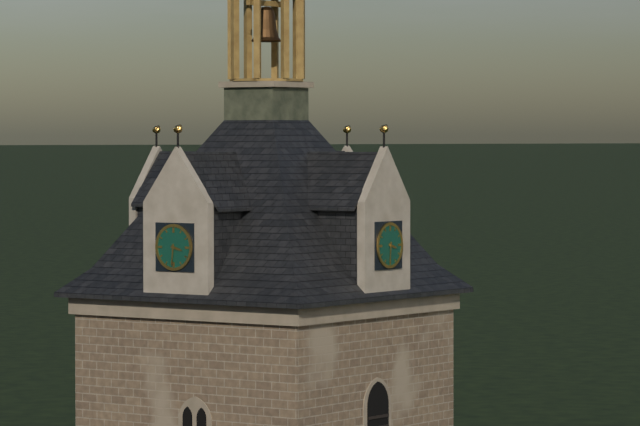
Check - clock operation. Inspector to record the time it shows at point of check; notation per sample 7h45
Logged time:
3h31
